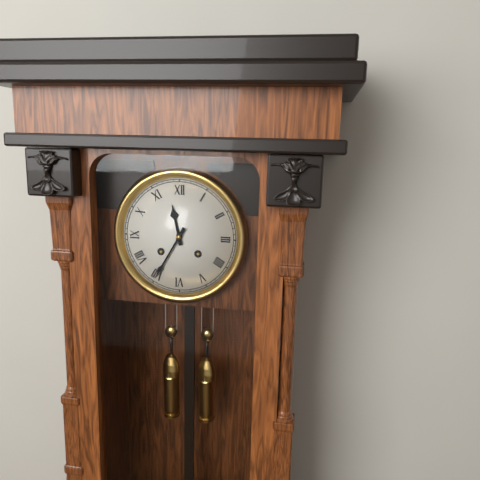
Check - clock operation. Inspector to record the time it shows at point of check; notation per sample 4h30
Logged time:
11h35
